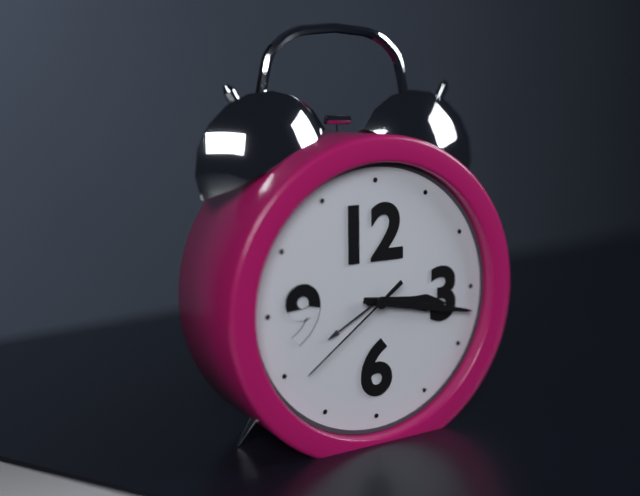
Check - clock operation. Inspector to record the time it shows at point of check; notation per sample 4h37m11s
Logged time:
3h17m39s
